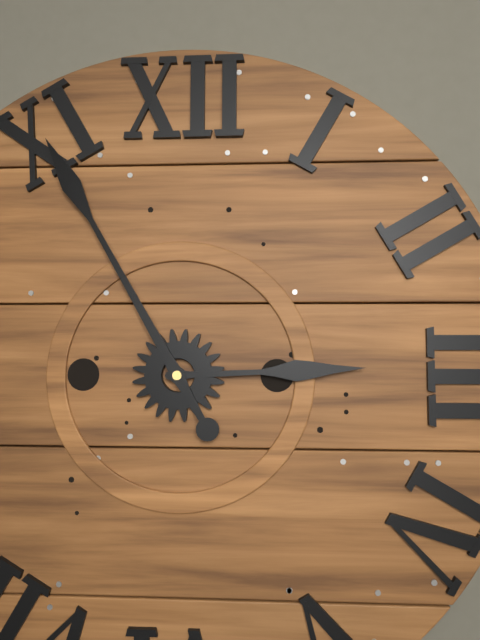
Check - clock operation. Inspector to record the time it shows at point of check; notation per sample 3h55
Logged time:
2h55
